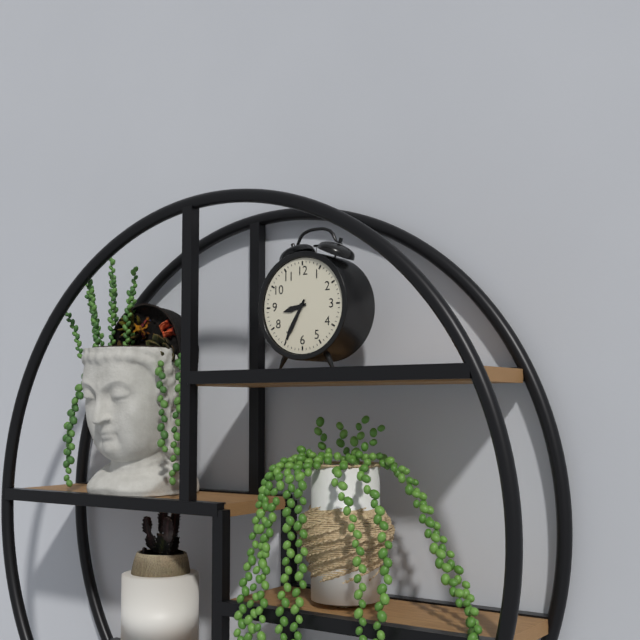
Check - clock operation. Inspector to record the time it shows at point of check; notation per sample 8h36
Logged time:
8h35
